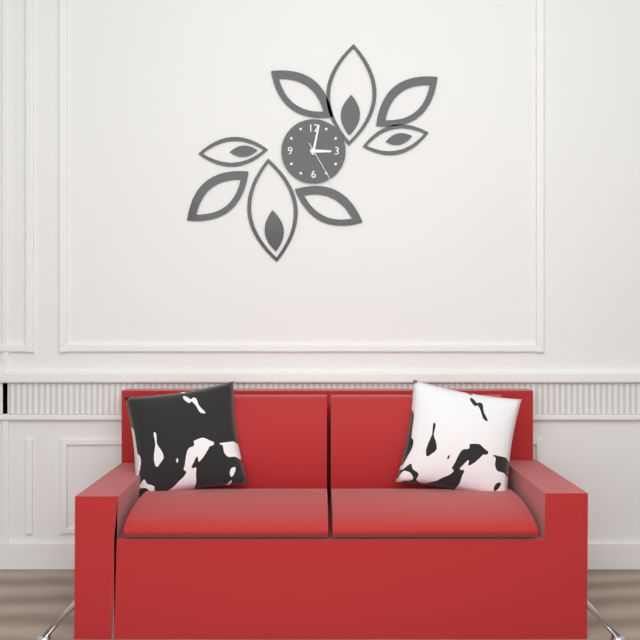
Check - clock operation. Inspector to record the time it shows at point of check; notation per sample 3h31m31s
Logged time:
3h02m25s
